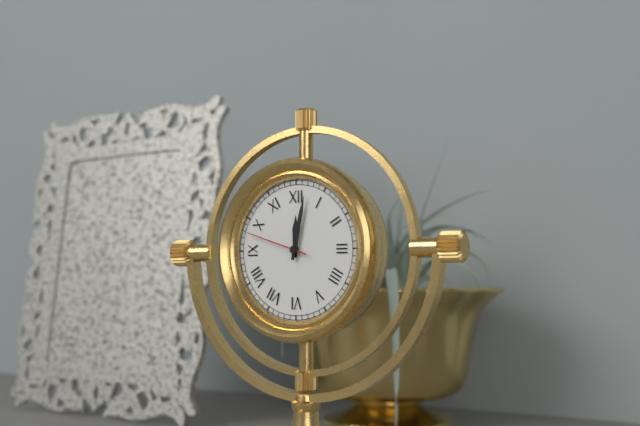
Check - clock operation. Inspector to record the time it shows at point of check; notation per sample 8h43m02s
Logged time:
12h02m48s
